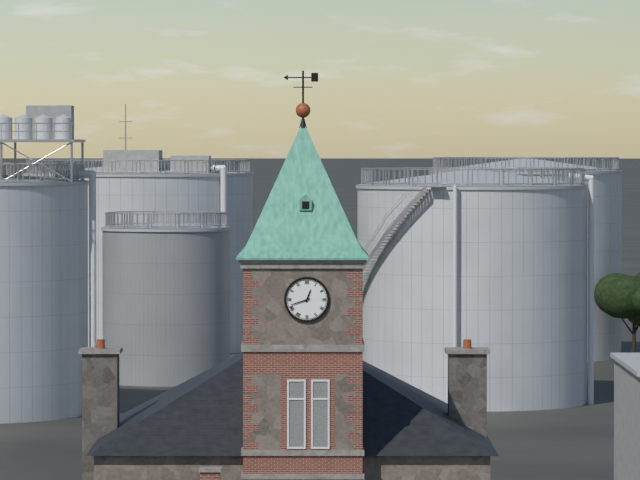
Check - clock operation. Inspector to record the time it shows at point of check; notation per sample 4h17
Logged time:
12h42
